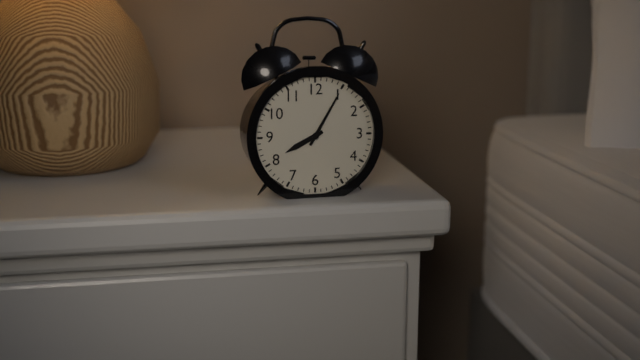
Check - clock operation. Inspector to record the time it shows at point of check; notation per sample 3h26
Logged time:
8h05
